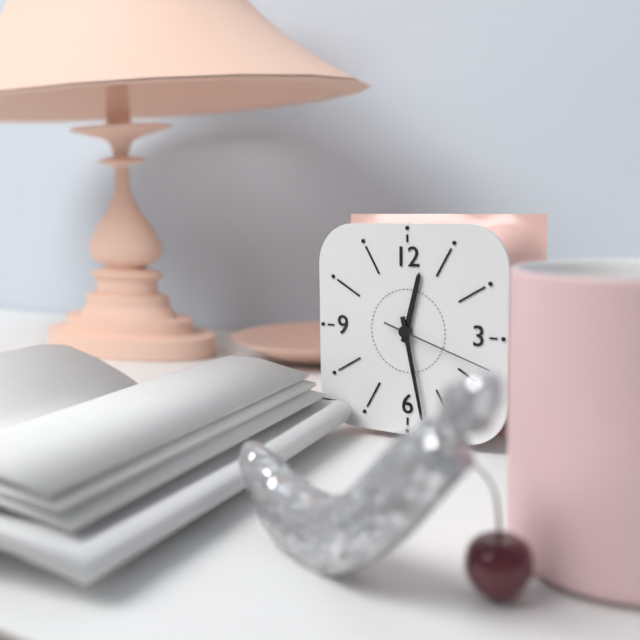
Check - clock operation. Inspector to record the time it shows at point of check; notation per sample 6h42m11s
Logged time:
12h28m18s
